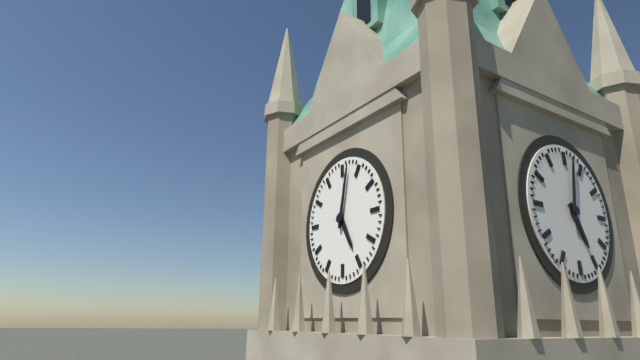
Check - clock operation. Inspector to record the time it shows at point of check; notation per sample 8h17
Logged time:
5h02
